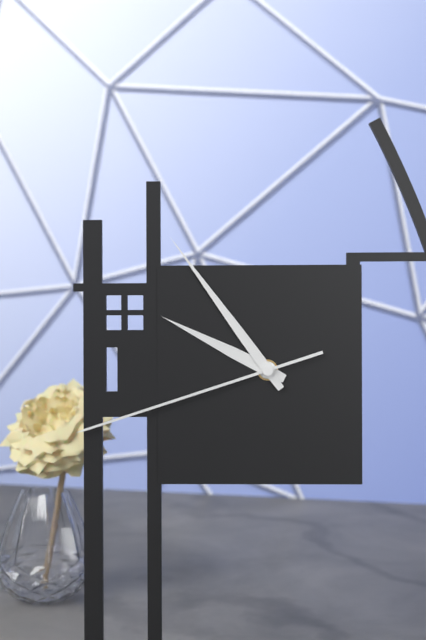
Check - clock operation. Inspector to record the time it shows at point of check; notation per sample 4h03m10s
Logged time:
9h54m42s
